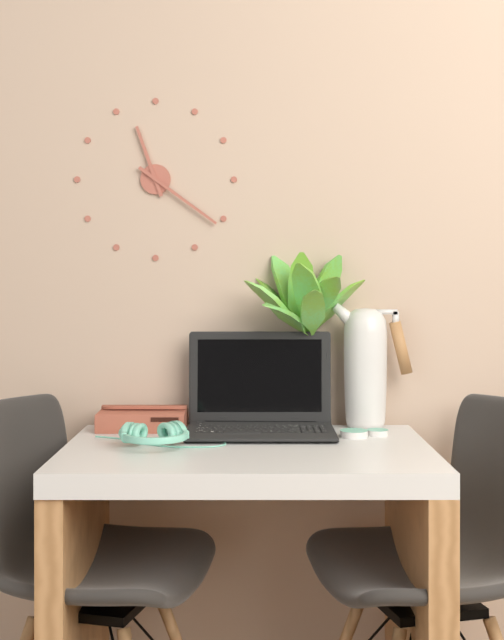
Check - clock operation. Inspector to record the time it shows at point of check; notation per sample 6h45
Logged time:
11h21
